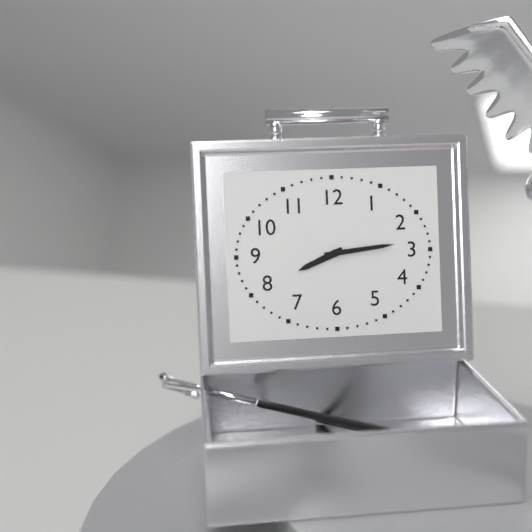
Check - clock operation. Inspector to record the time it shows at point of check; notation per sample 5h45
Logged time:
8h14
